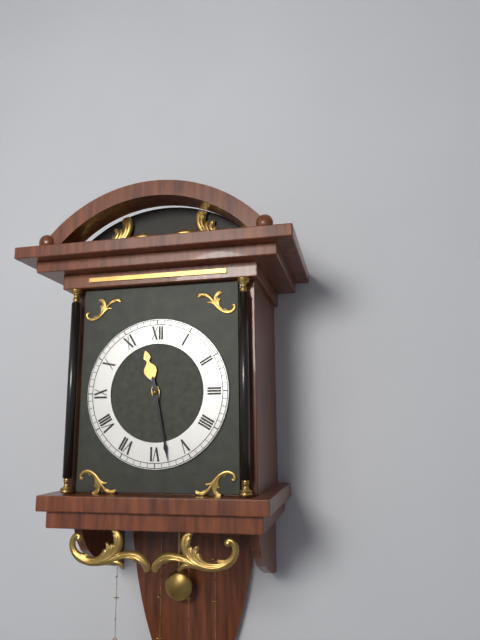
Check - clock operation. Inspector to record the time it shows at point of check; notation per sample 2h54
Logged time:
11h28
